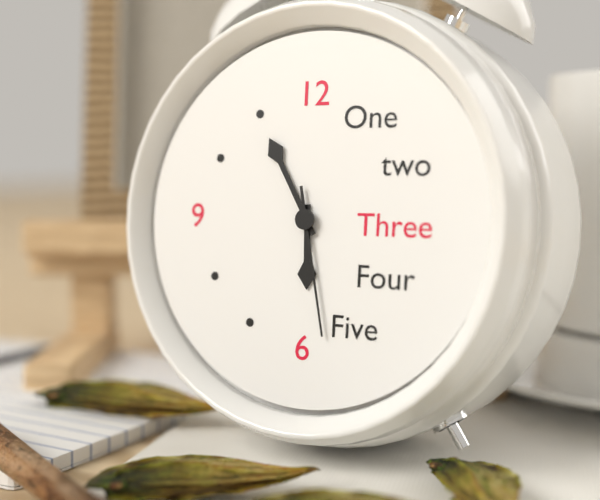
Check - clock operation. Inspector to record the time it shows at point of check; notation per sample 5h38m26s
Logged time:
5h55m28s
